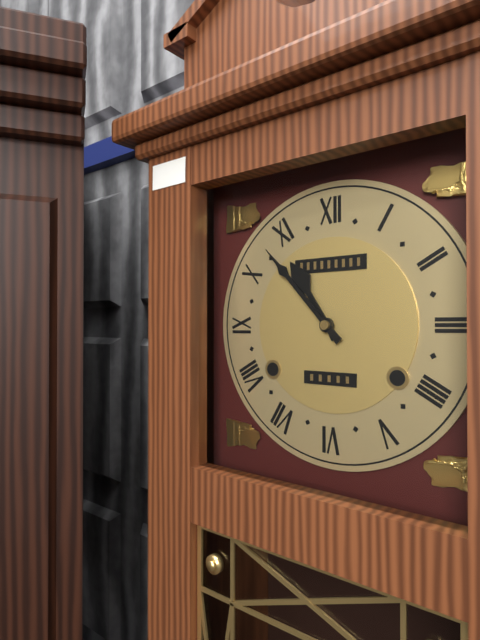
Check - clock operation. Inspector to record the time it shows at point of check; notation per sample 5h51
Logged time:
10h53
